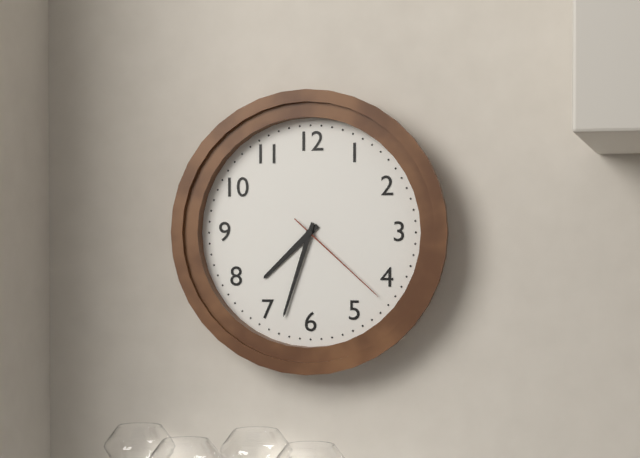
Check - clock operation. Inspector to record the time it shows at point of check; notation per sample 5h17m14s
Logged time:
7h33m22s
